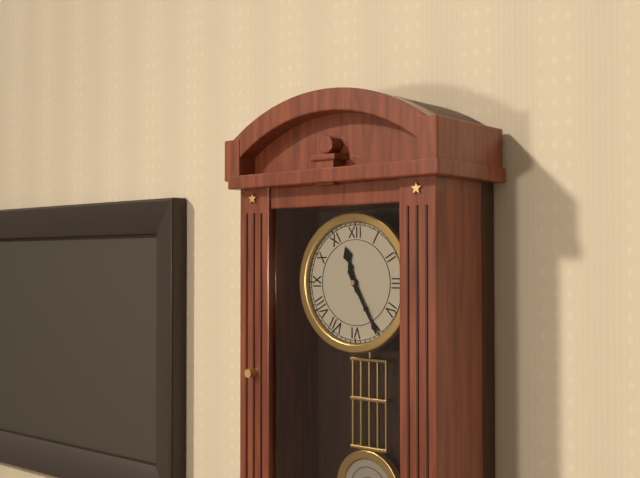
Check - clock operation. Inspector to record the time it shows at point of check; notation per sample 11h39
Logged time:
11h25
